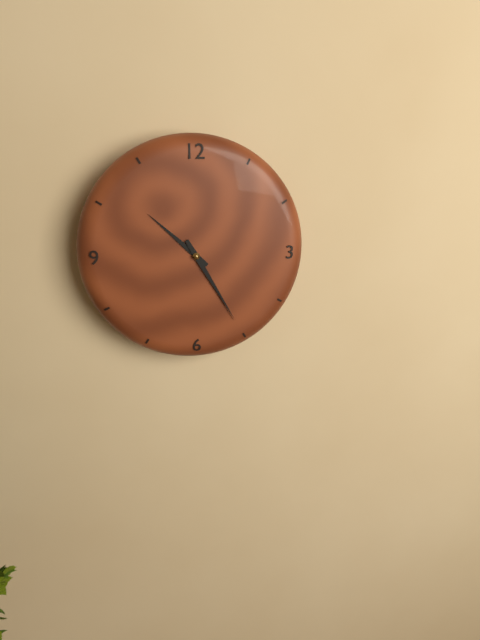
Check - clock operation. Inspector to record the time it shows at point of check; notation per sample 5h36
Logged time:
10h25
